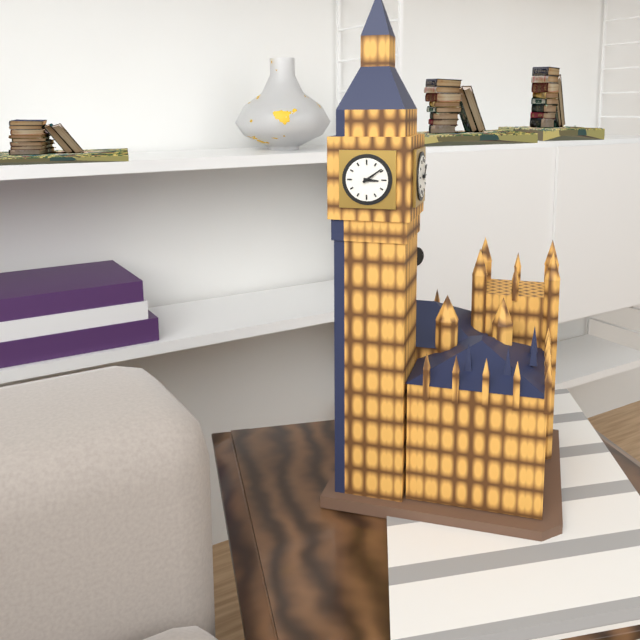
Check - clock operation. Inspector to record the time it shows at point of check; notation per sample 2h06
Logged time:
3h09
